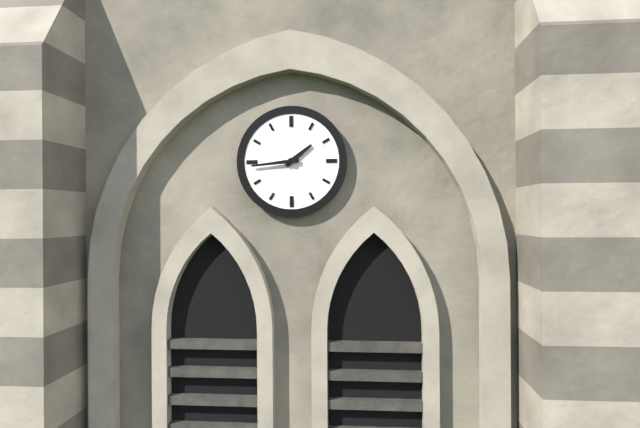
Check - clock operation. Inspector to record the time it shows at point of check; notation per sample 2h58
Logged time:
1h44
